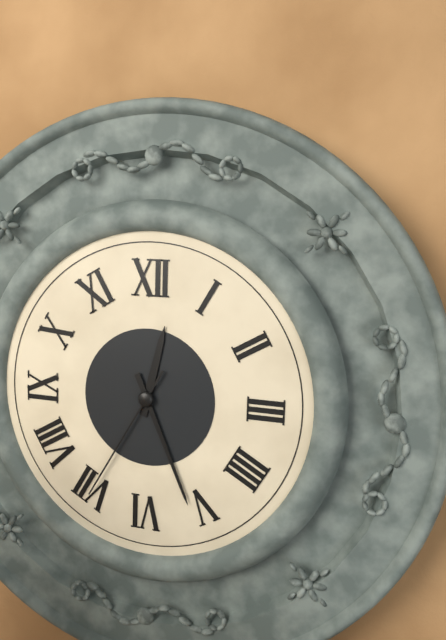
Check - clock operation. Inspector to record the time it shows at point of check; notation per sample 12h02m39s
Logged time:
12h26m35s
